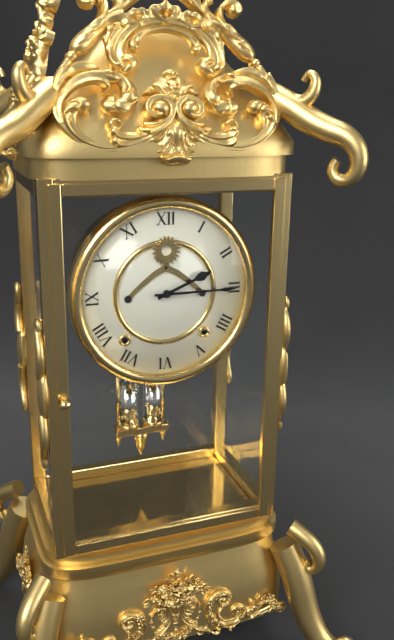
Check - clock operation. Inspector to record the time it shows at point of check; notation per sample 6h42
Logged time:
2h15
